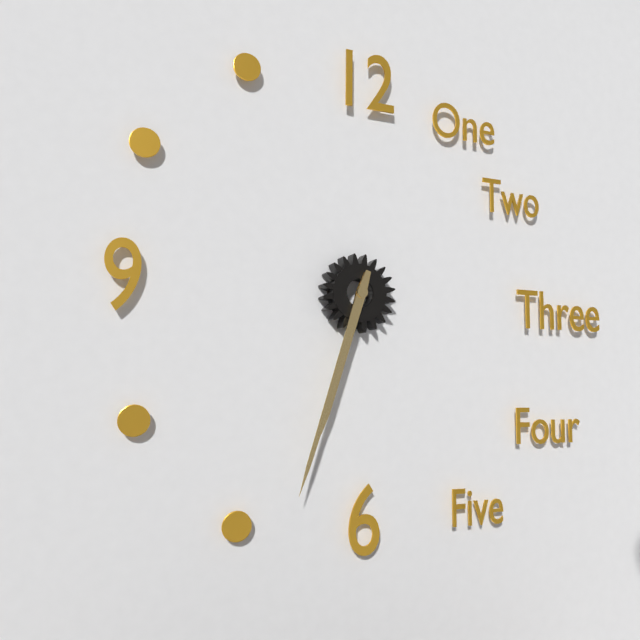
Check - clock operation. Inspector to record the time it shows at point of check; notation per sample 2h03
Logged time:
6h33
